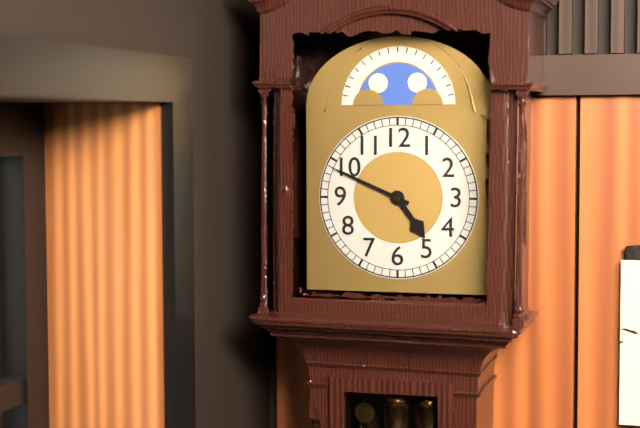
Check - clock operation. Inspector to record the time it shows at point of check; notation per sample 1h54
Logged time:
4h49
